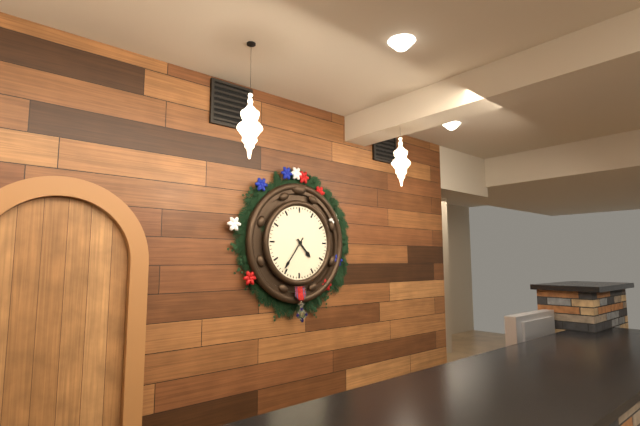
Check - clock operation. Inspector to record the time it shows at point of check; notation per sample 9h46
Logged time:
4h36
